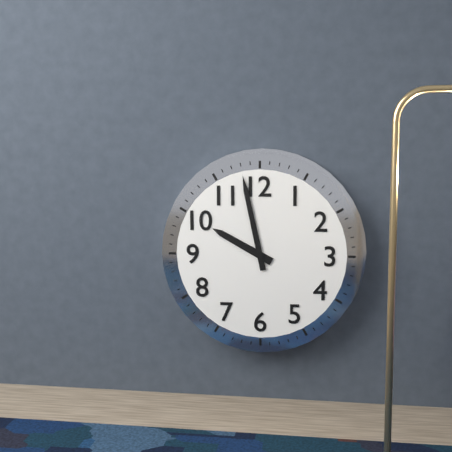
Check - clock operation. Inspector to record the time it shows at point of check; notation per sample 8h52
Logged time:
9h58
